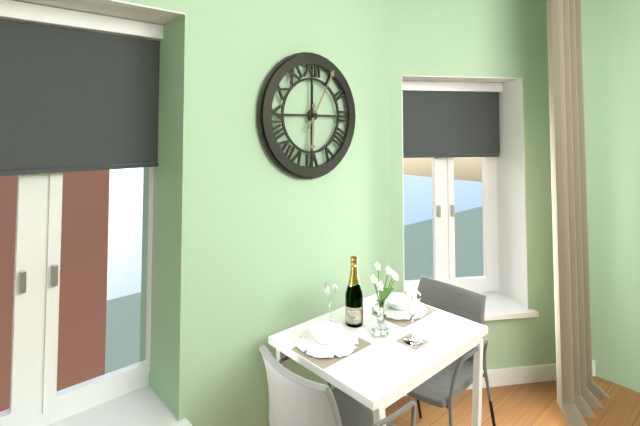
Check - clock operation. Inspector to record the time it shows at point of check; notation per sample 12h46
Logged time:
6h05
